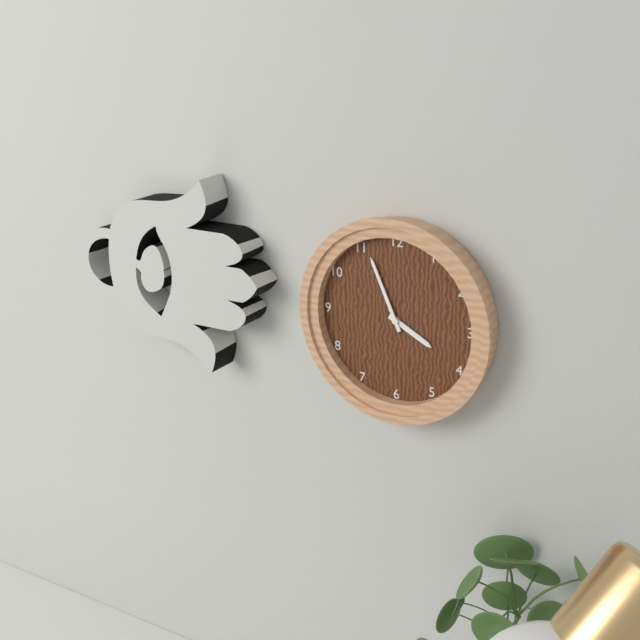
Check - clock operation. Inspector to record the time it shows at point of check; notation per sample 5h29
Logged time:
3h56
